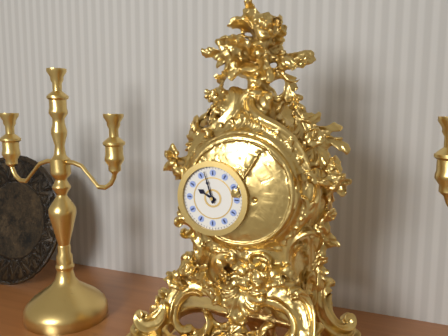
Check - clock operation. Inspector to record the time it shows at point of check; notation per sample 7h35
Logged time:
9h57
